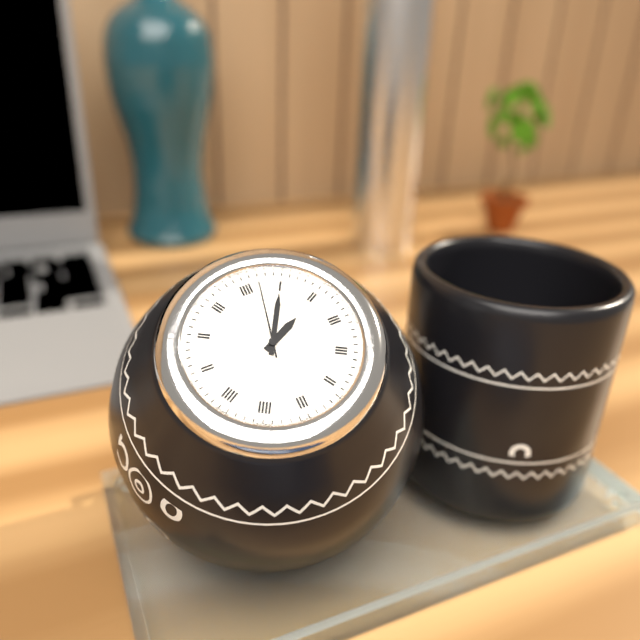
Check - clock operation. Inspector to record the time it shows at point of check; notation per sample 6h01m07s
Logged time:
2h05m02s
